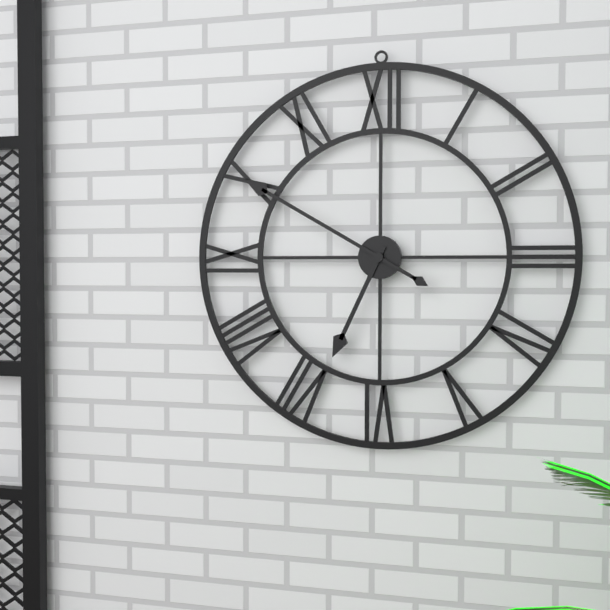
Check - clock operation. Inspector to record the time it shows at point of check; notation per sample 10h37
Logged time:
6h50
